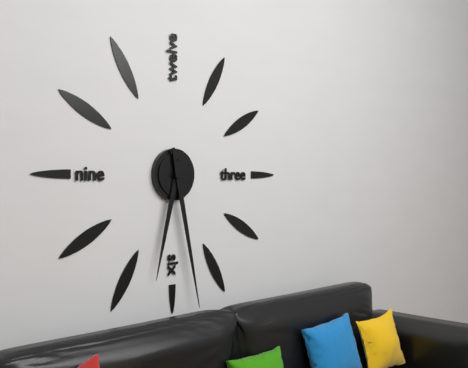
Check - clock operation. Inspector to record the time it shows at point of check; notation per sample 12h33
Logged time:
6h28
